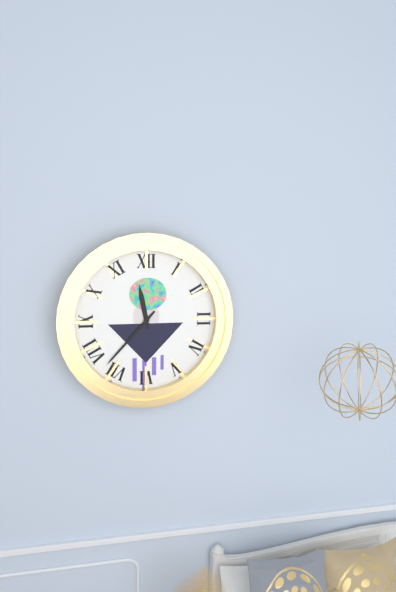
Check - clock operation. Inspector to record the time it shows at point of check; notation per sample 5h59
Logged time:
11h37
